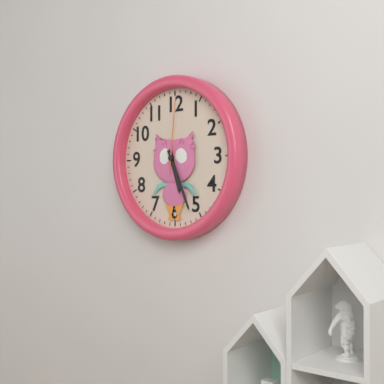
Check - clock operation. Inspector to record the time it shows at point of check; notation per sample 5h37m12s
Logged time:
5h26m01s
